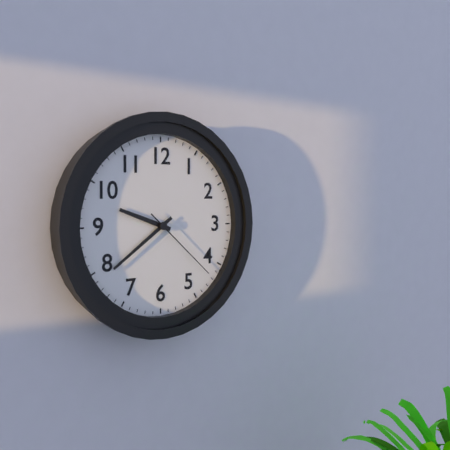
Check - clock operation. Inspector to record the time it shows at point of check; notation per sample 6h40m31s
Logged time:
9h39m22s
